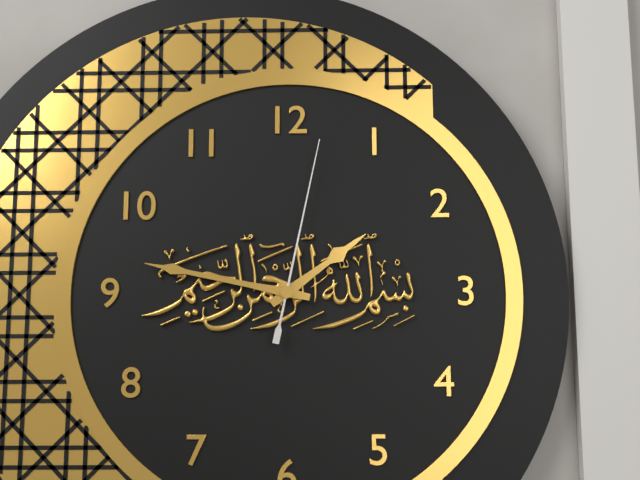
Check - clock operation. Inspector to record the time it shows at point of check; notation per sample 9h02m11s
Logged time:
1h47m02s
